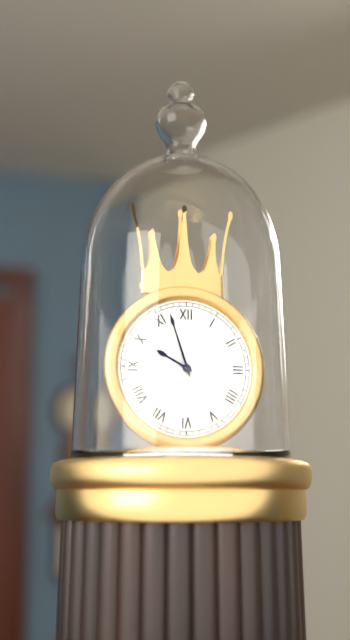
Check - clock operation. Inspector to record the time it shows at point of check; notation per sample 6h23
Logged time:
9h57
